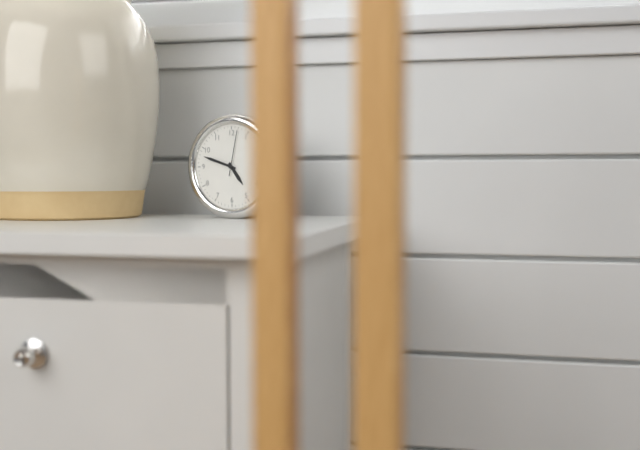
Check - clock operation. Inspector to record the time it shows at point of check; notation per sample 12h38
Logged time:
4h48
